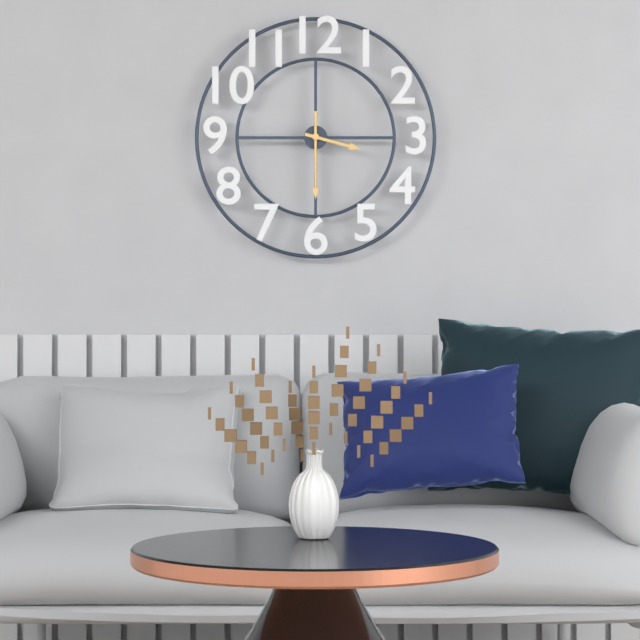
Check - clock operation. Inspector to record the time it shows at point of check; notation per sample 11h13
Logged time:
3h30
